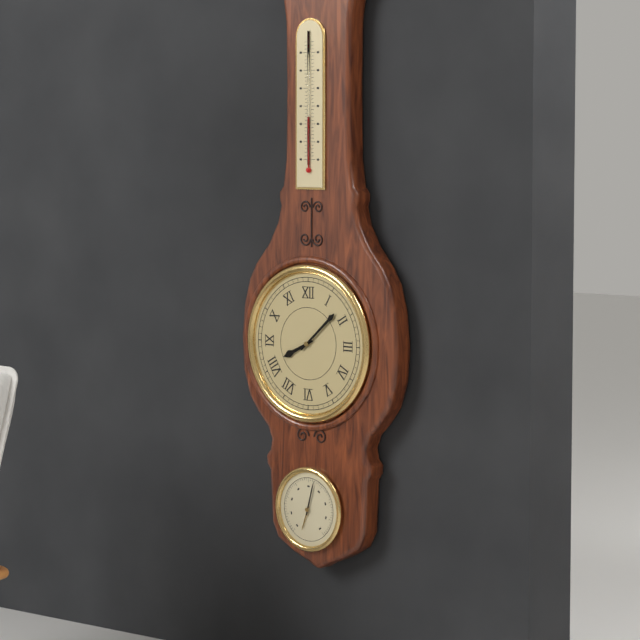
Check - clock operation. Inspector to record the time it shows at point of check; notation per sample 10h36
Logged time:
8h08
